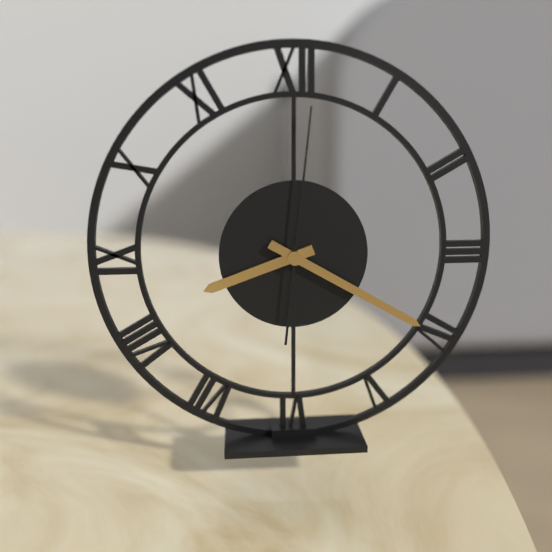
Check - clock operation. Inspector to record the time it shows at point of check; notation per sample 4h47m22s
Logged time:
8h20m01s
